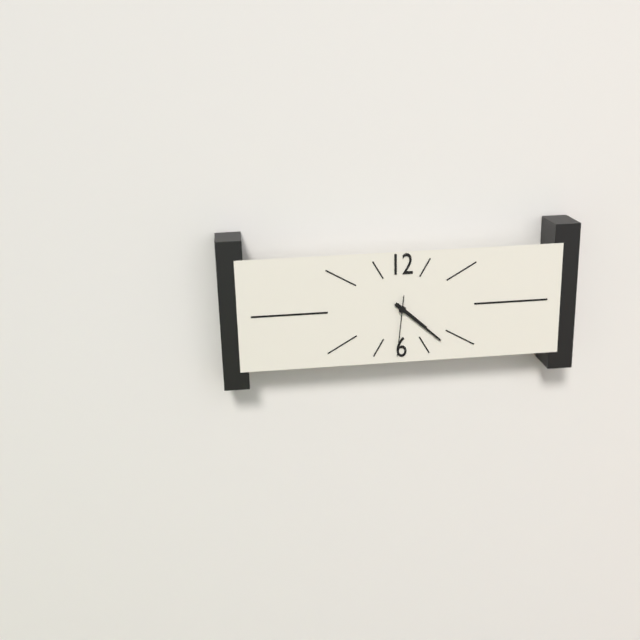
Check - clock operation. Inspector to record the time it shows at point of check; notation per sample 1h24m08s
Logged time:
4h22m31s
